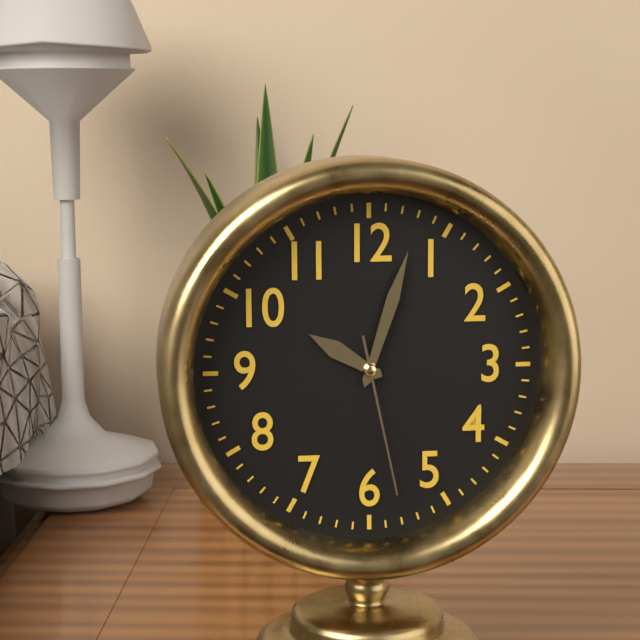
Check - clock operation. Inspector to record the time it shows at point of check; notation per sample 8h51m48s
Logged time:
10h03m28s
